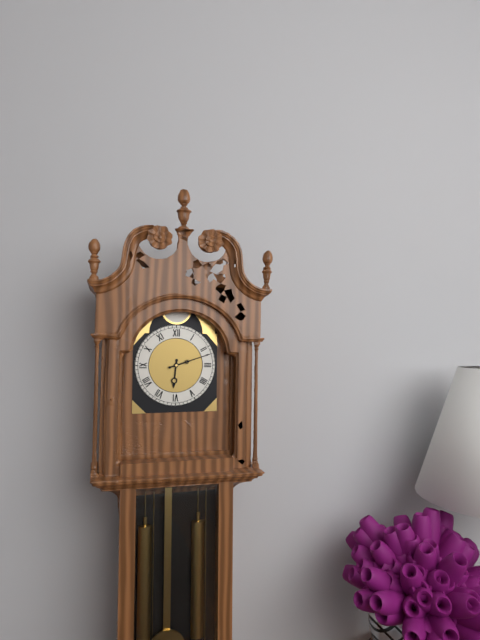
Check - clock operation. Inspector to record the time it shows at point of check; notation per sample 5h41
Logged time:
6h12
